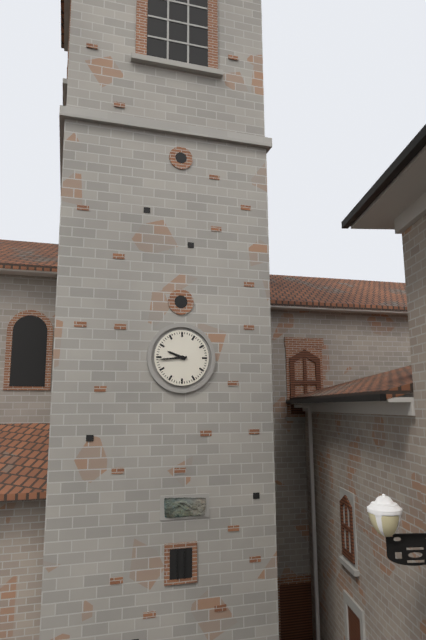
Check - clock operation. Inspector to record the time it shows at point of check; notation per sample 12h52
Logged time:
9h44
